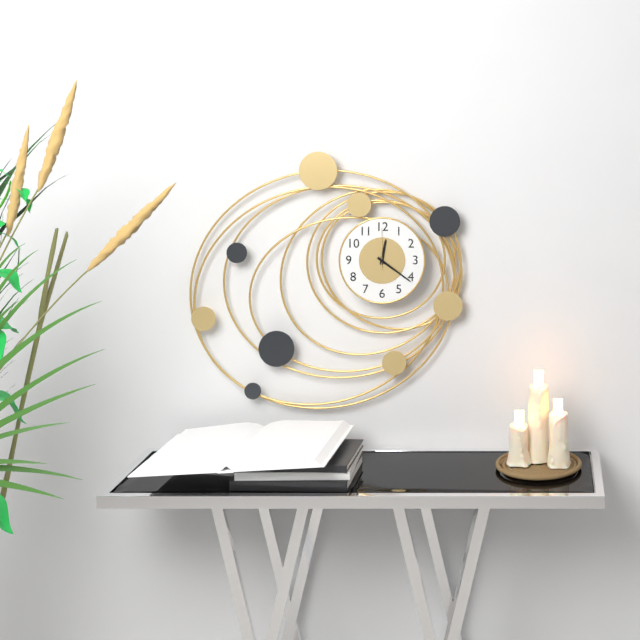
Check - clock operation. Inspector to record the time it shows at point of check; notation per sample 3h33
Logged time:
12h21
